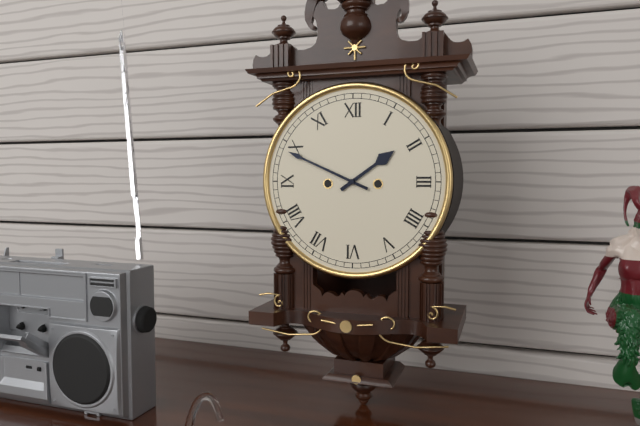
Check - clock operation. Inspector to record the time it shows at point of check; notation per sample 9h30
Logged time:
1h49
